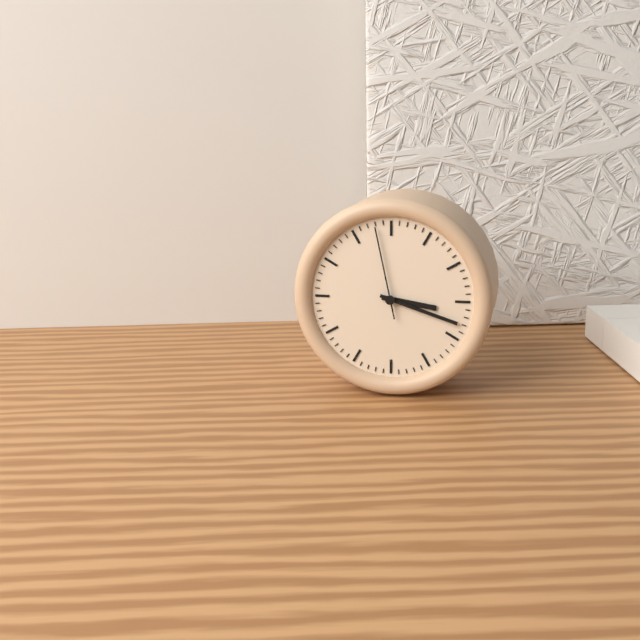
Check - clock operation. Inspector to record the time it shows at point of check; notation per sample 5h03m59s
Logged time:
3h18m58s
